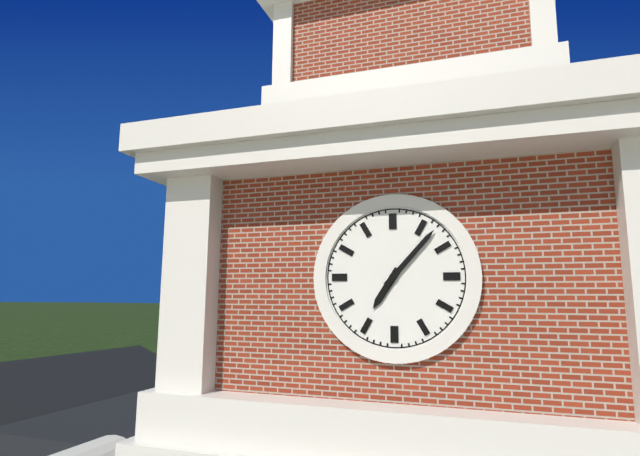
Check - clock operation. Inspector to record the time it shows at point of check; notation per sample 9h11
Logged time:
7h07
